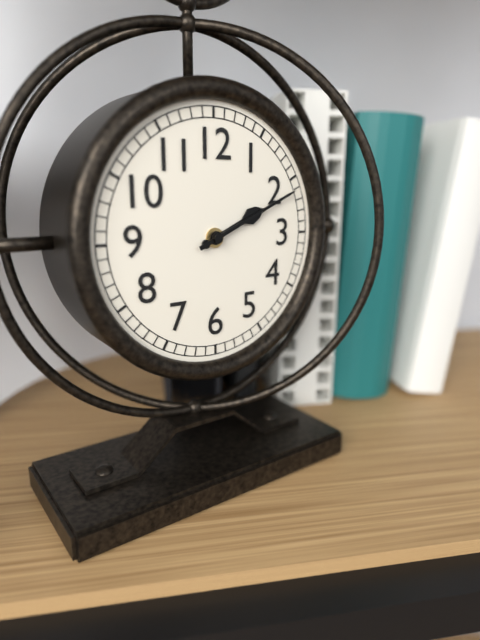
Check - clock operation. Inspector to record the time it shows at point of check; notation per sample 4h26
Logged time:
2h11
